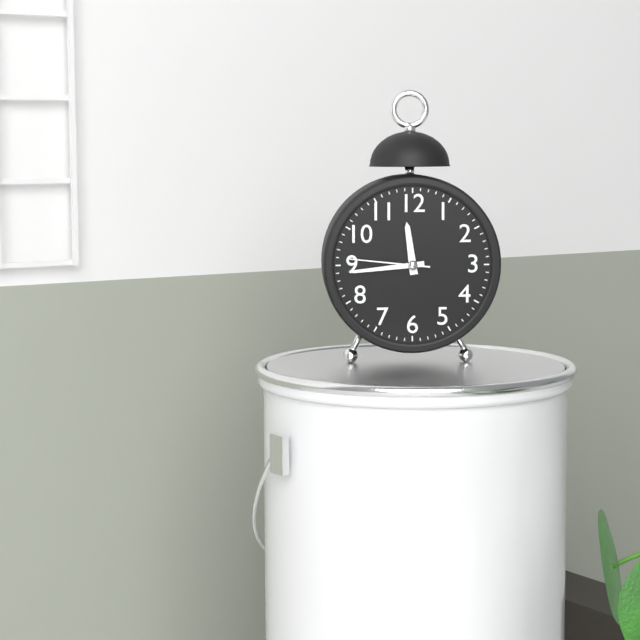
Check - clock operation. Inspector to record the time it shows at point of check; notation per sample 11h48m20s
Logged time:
11h44m46s
